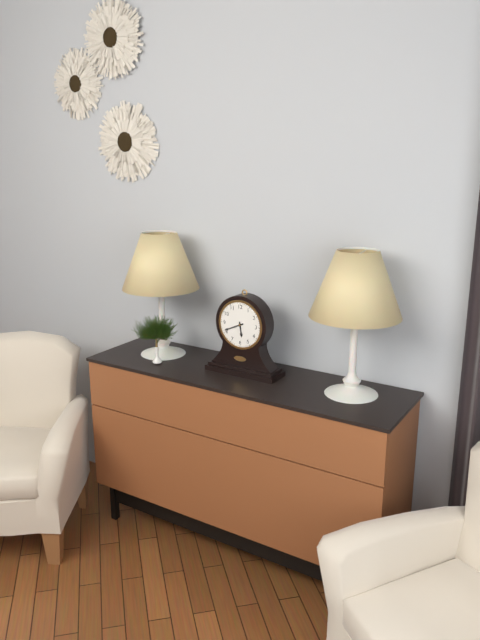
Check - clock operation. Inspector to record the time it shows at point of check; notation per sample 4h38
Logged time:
5h41
